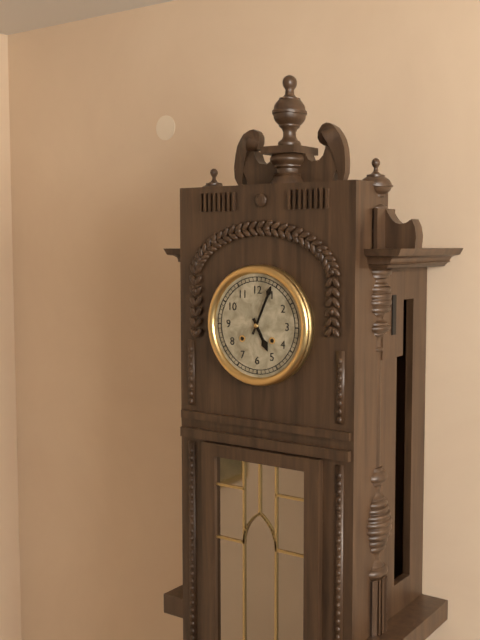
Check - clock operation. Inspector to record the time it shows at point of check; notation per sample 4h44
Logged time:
5h04
